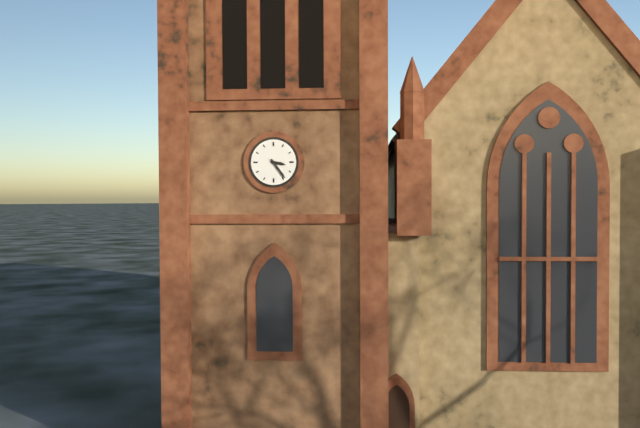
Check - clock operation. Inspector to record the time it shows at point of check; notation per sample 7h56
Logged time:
3h24
